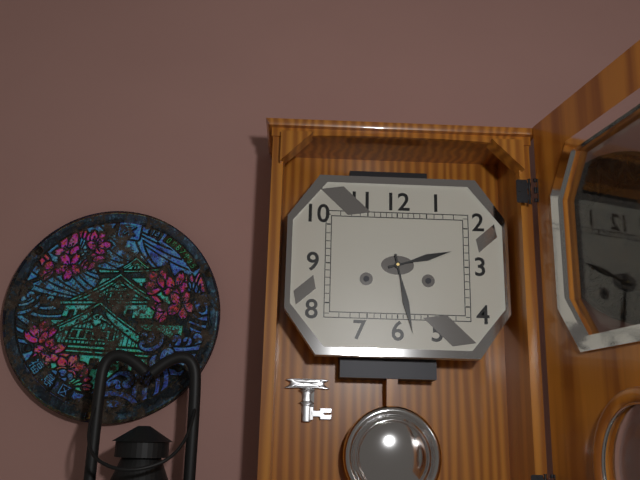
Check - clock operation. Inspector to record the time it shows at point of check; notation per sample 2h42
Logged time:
2h28
